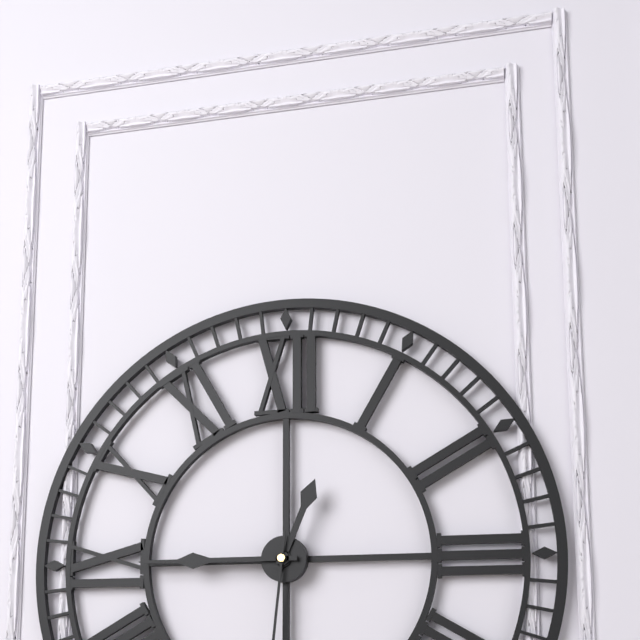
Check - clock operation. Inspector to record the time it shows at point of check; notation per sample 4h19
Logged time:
12h45
